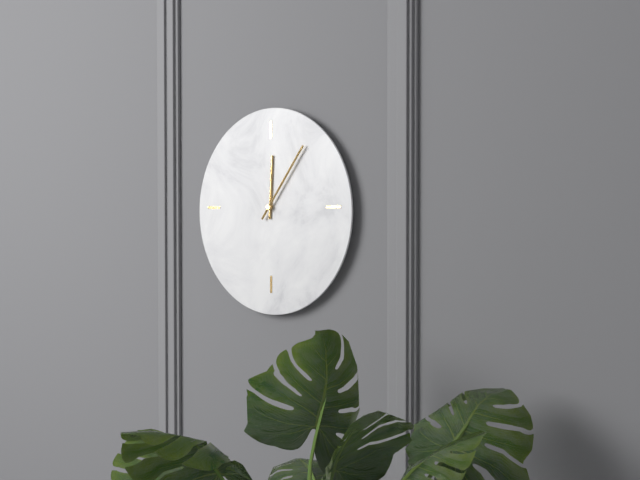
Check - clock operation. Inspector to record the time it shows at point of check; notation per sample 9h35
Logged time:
12h06
